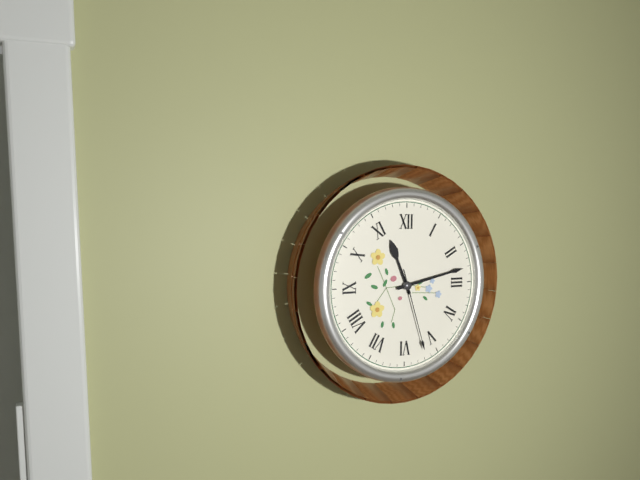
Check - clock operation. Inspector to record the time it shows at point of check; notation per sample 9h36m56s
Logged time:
11h13m27s
